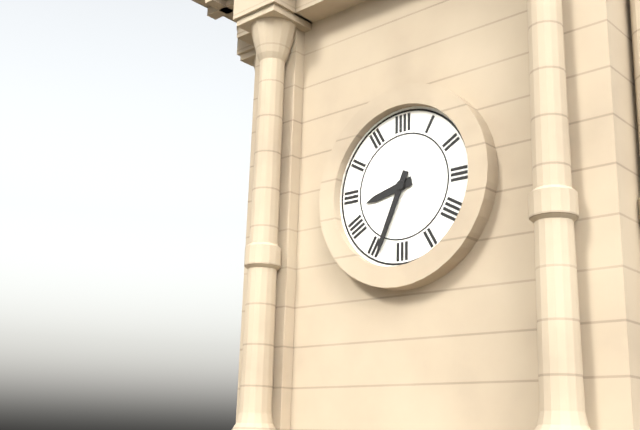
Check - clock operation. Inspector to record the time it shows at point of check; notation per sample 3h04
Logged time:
8h34
